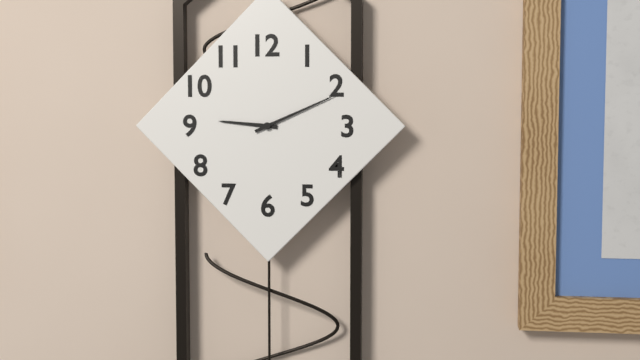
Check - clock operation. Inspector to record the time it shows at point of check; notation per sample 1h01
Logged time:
9h11
